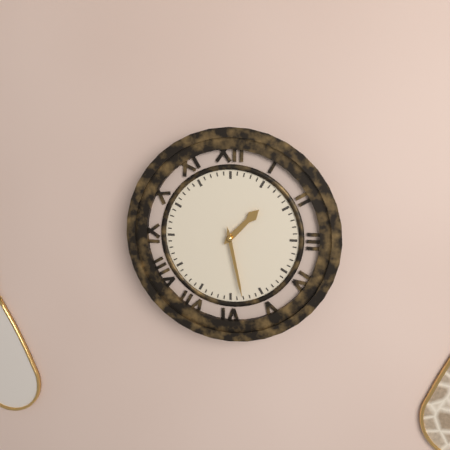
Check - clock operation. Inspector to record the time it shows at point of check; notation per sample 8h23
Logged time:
1h28
